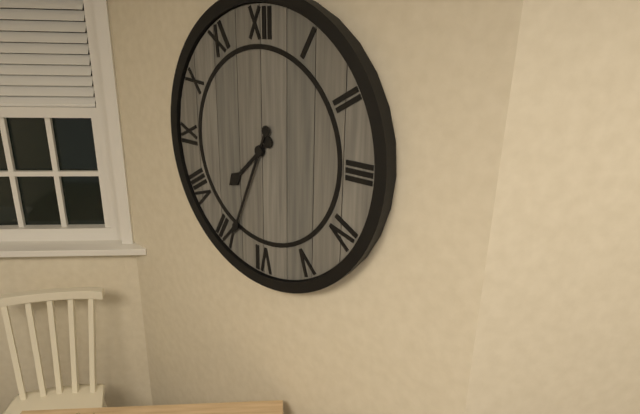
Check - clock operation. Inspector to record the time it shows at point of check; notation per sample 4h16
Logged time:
7h34
